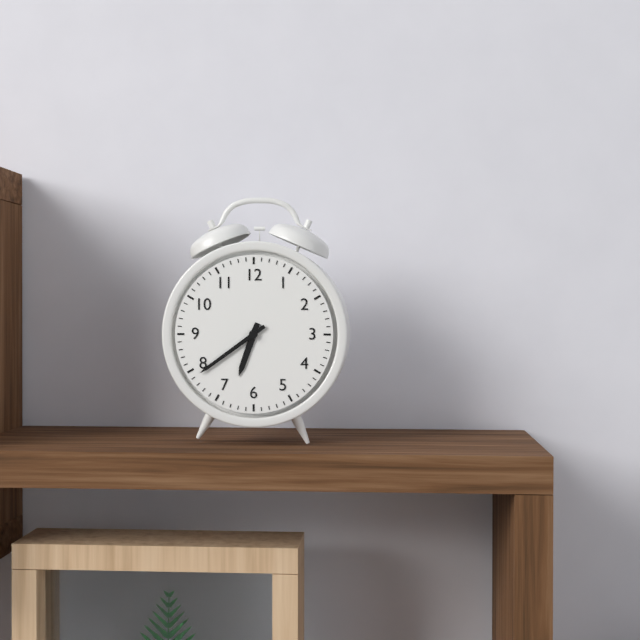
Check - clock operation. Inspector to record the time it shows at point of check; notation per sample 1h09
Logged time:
6h39
